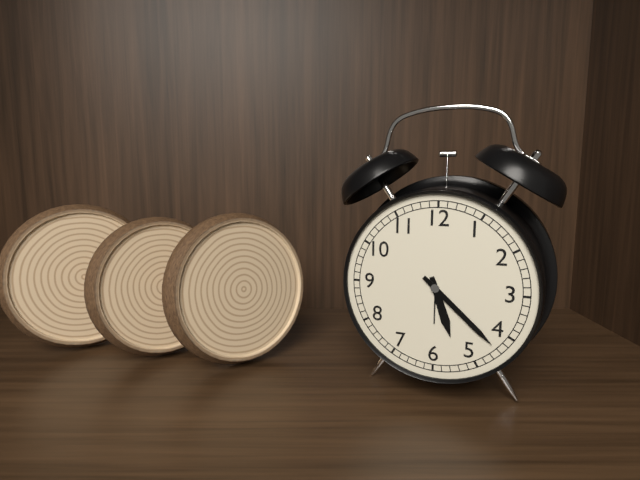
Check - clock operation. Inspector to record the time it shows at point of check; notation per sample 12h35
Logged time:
5h22
